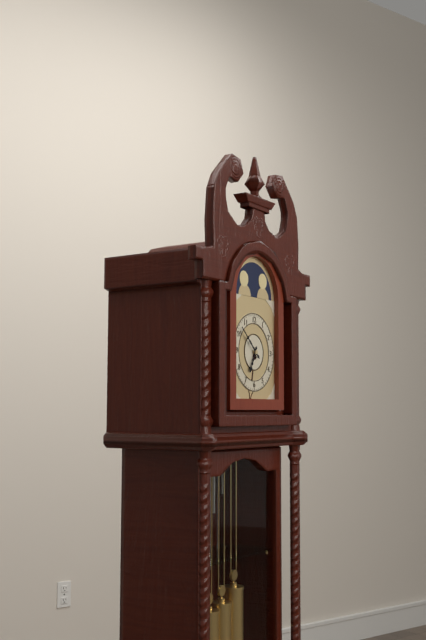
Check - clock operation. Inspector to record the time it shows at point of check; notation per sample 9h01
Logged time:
6h52
